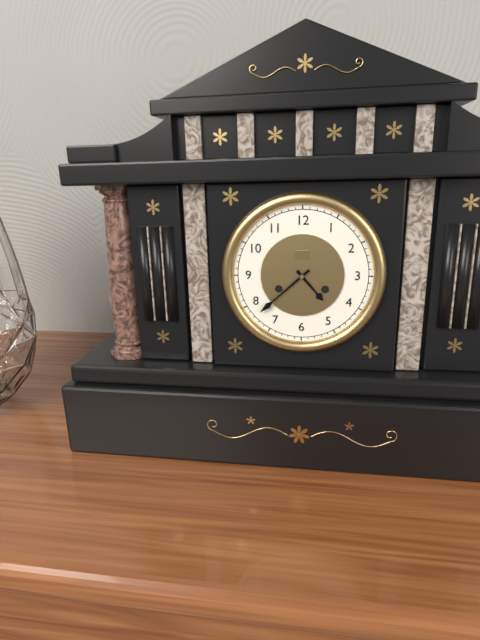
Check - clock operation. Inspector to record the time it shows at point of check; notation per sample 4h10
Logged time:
4h38
